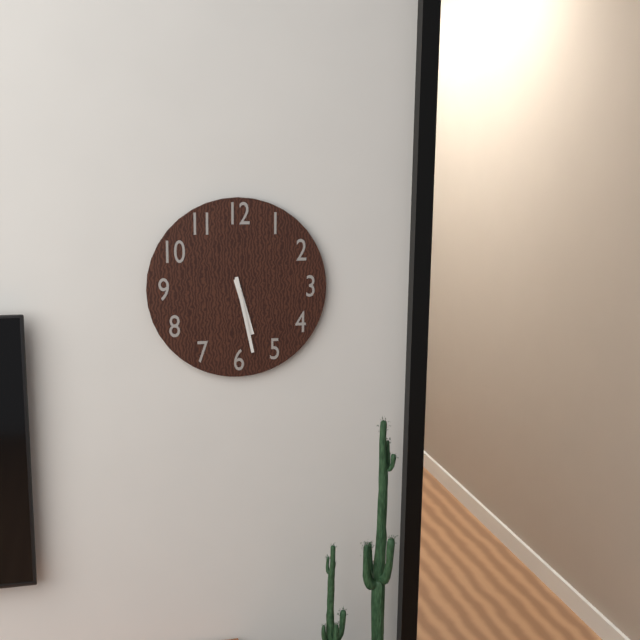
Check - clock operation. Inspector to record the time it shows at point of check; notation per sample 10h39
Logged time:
5h28
